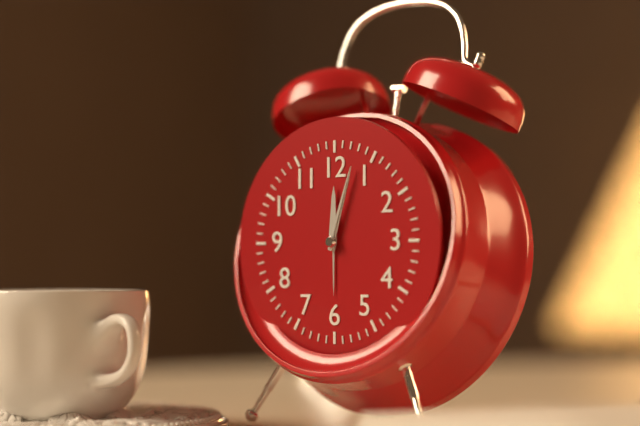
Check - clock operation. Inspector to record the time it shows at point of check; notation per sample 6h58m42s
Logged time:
12h03m03s
